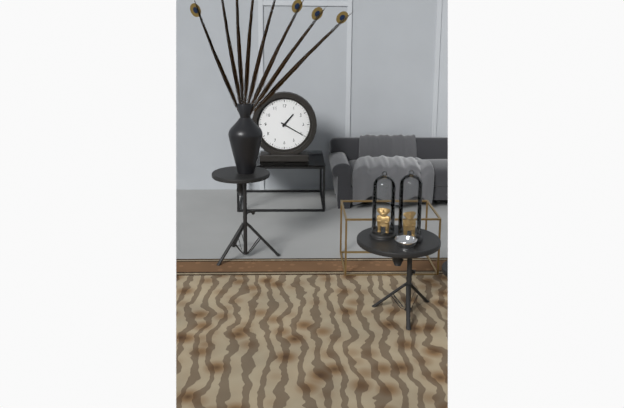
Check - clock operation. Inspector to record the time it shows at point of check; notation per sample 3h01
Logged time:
1h20
